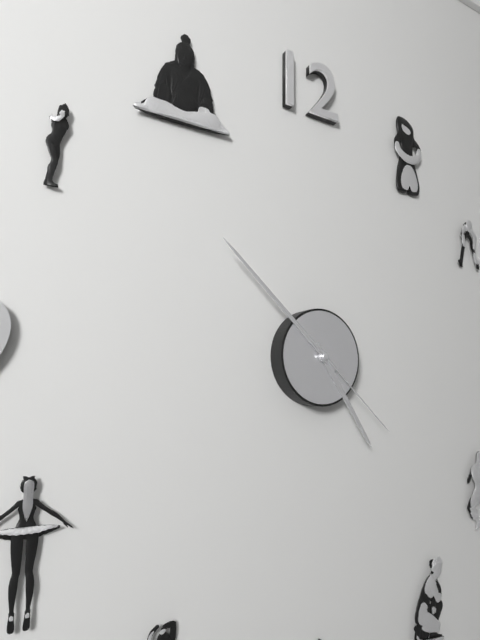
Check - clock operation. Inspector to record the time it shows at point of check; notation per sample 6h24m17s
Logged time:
4h52m22s
